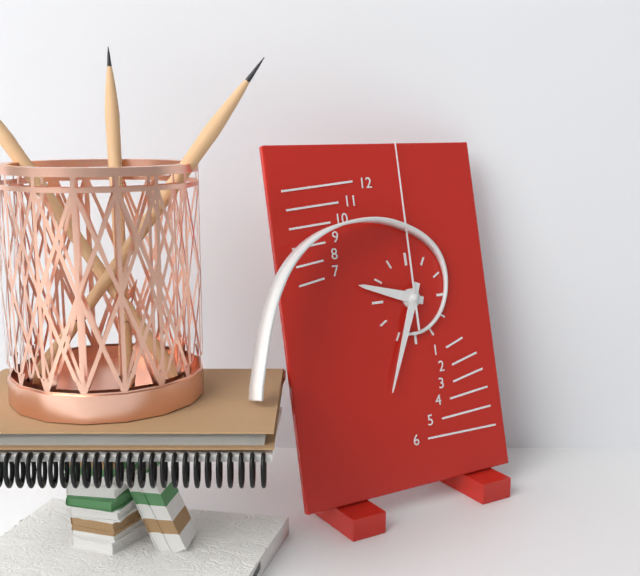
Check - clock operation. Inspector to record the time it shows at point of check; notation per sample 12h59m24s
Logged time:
9h34m00s
